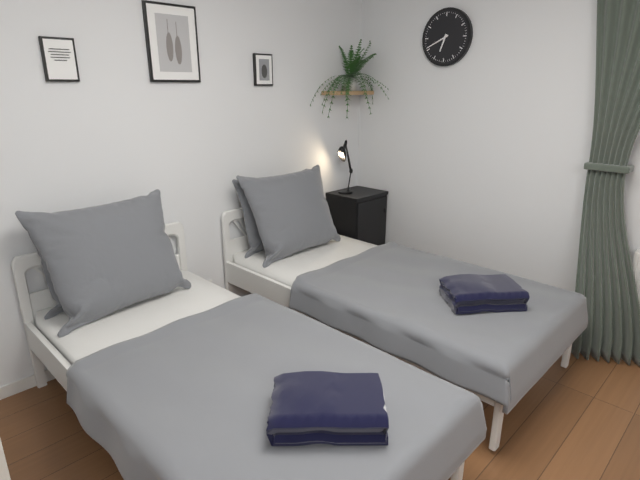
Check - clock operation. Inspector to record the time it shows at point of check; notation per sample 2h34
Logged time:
6h41
